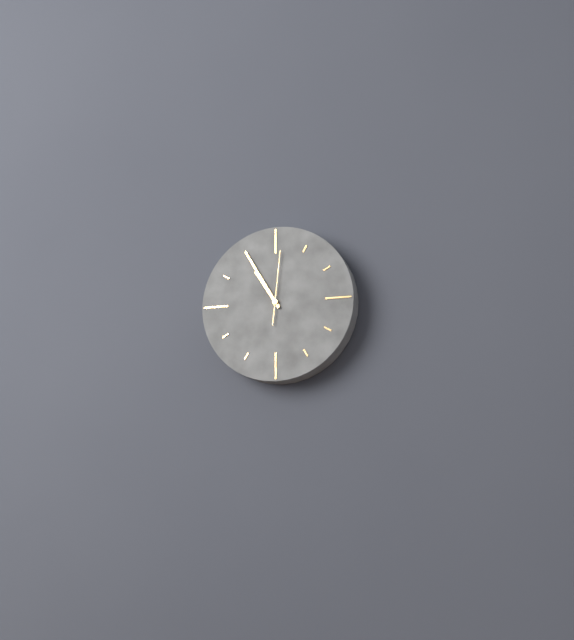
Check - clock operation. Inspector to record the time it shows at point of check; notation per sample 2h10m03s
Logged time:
10h55m01s
